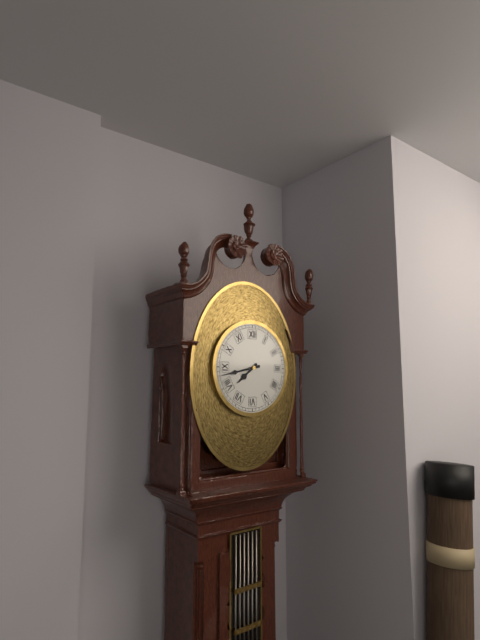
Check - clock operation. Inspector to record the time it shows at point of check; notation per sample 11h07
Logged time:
7h43
